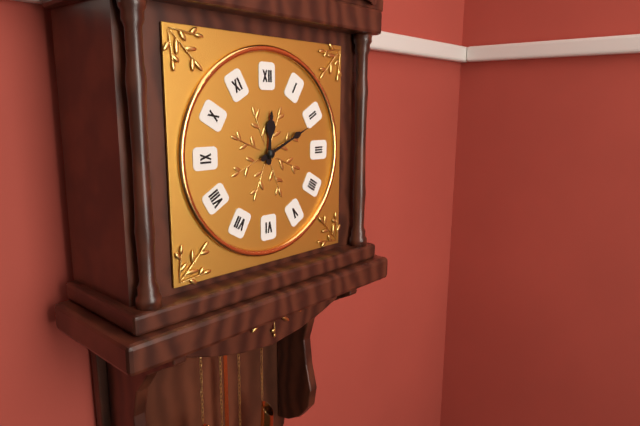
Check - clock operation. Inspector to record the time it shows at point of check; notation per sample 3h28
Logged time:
12h11
